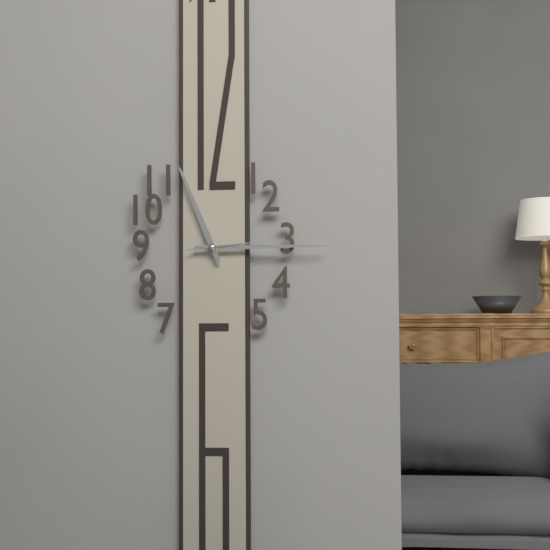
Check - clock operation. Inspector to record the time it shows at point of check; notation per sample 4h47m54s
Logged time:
11h15m14s
